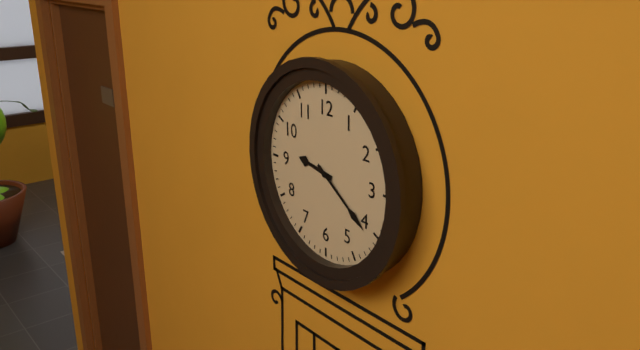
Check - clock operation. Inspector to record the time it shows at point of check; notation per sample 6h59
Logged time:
9h21
